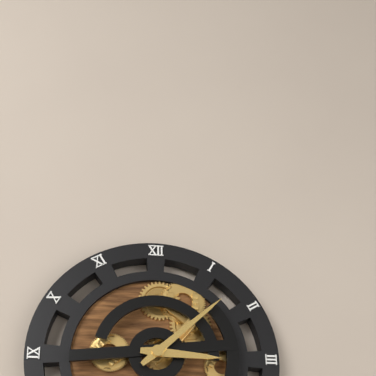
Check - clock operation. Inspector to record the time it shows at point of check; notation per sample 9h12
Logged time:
3h08
